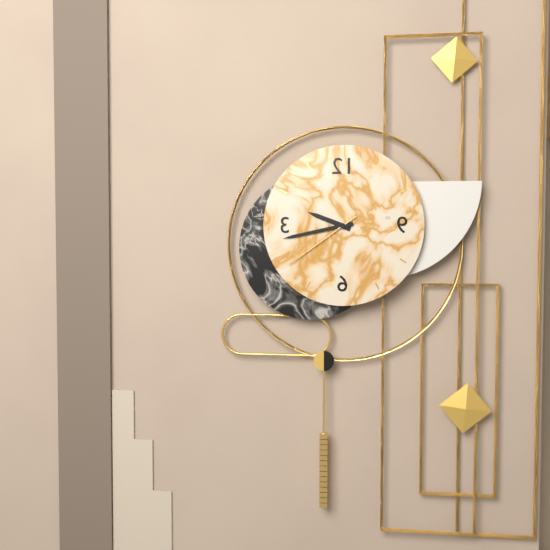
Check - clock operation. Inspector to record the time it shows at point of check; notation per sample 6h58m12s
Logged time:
9h43m39s
